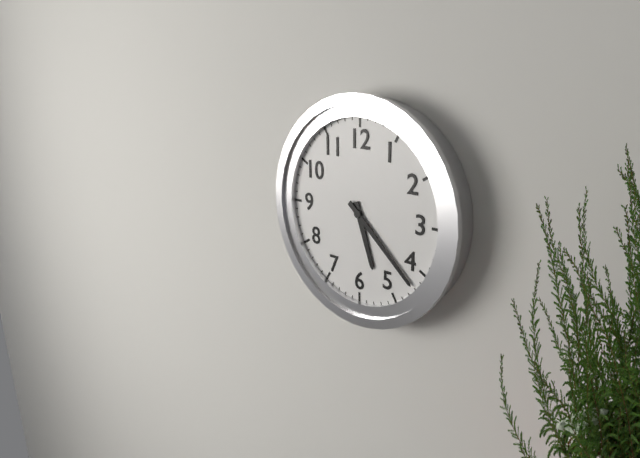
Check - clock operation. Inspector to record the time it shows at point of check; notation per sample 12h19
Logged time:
5h22
